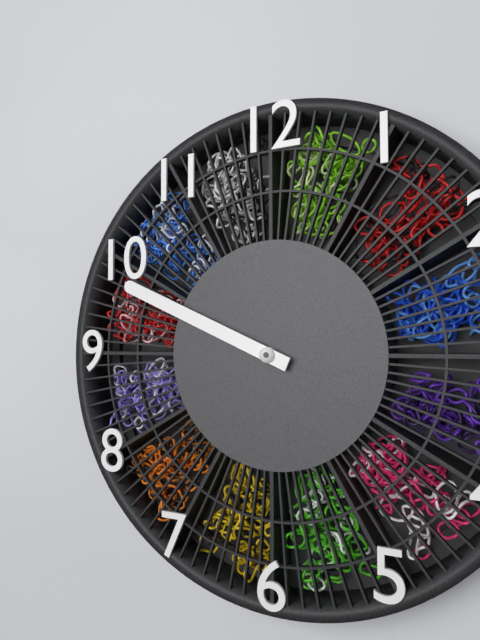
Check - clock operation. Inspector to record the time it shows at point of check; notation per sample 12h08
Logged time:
9h49
